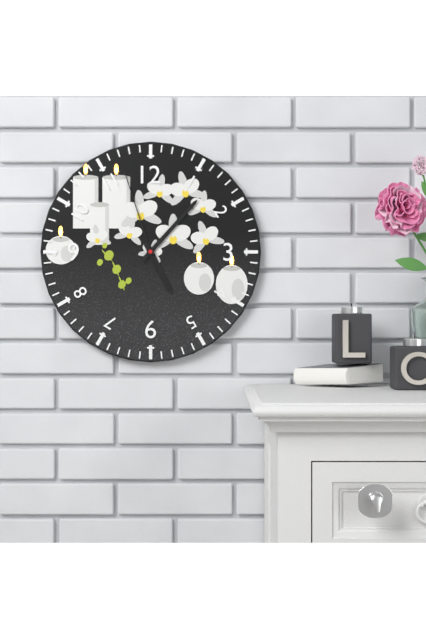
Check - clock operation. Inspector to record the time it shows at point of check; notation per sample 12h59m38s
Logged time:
5h07m57s
